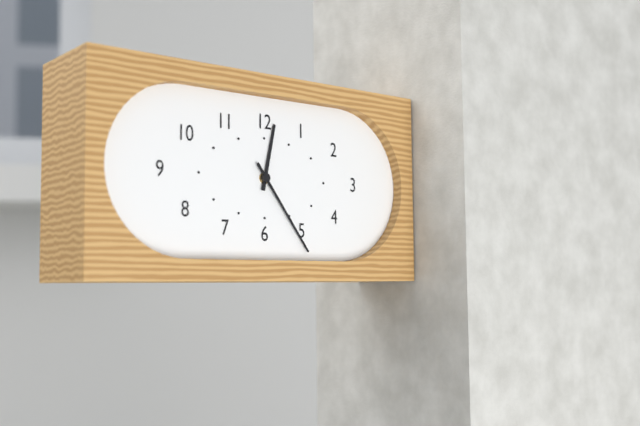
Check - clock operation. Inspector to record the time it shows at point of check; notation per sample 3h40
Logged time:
12h24
